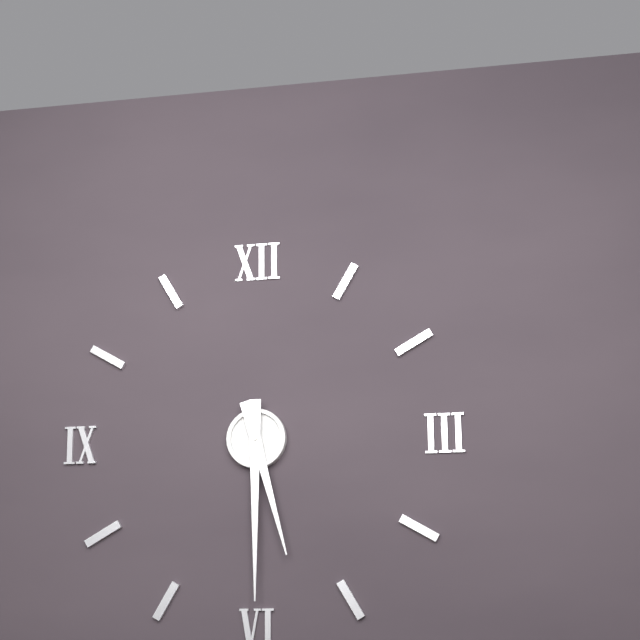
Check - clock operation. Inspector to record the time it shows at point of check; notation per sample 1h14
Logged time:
5h30
